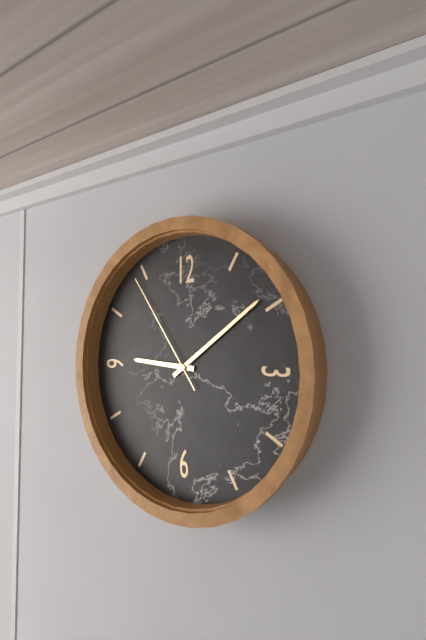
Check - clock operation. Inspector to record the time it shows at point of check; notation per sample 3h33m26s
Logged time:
9h09m54s
